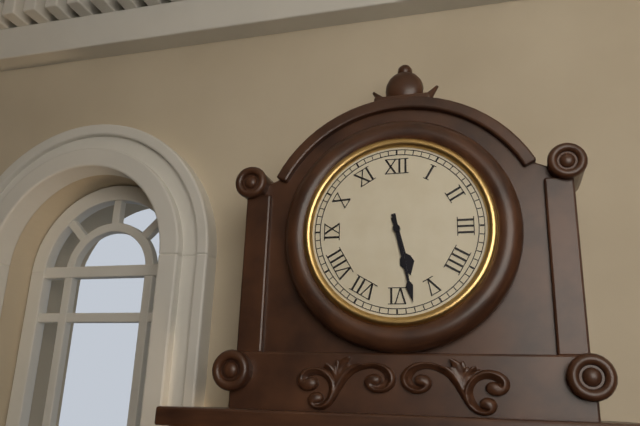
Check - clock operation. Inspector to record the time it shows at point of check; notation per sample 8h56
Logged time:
5h28
